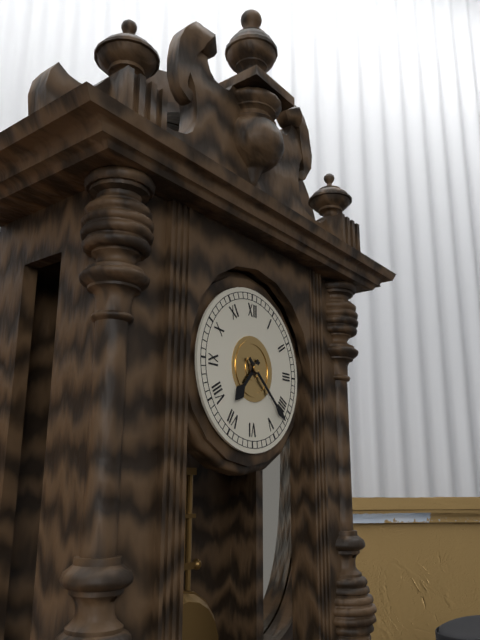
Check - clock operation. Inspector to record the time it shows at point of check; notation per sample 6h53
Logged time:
7h22
